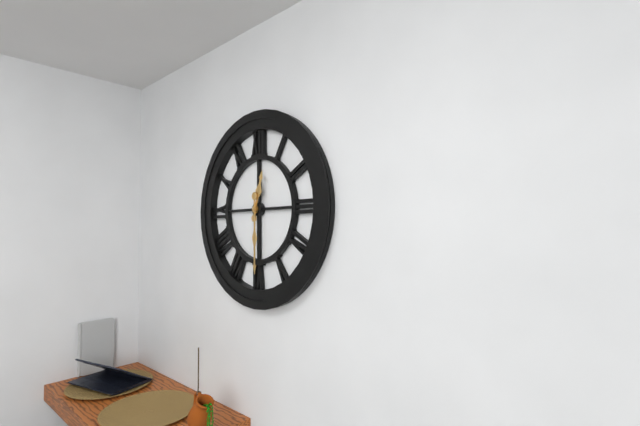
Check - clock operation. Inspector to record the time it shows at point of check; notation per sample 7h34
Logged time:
12h30
